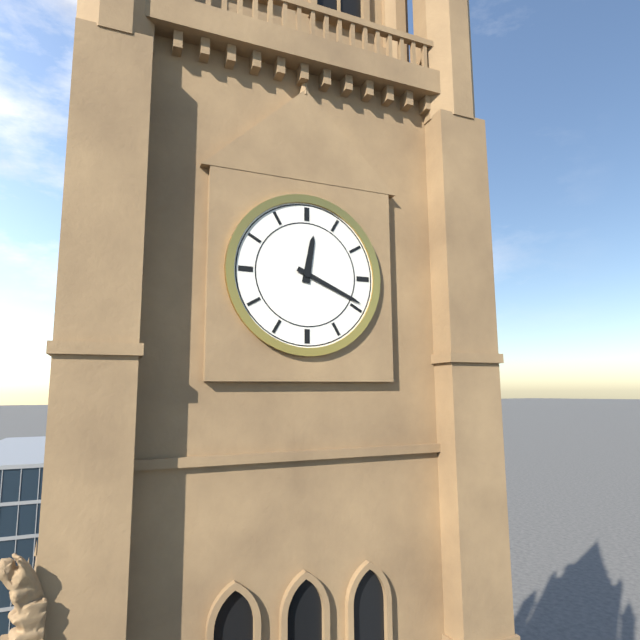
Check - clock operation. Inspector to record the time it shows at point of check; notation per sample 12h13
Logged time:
12h19
